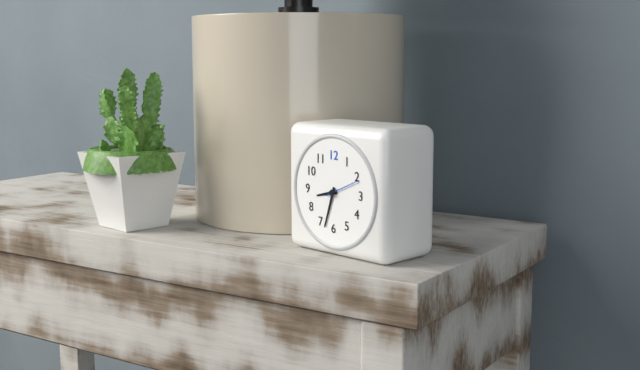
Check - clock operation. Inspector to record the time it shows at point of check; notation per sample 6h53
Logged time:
8h33
